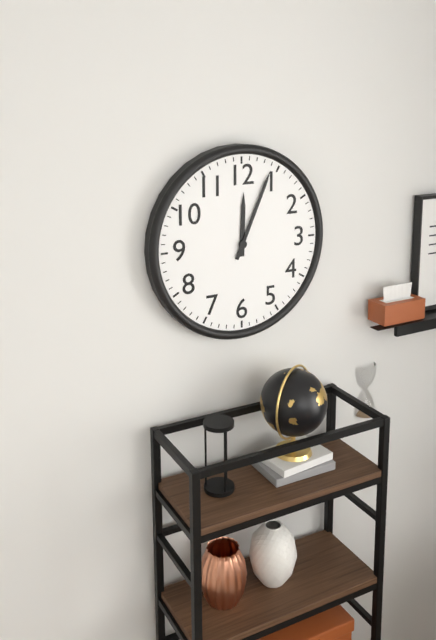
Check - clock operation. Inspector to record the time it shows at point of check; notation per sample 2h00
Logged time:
12h04
